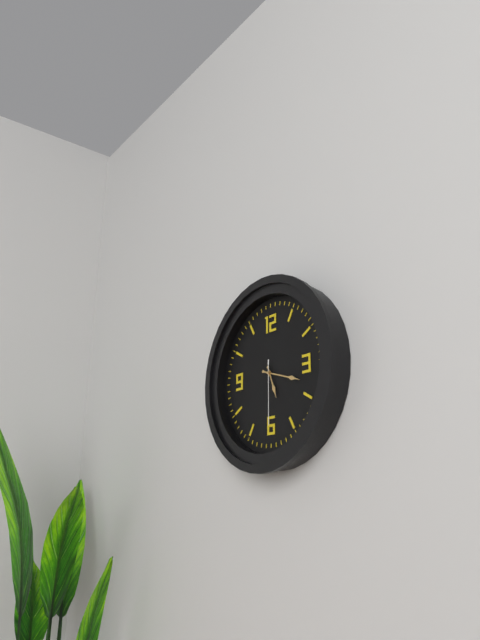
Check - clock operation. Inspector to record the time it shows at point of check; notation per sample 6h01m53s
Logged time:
5h18m30s
